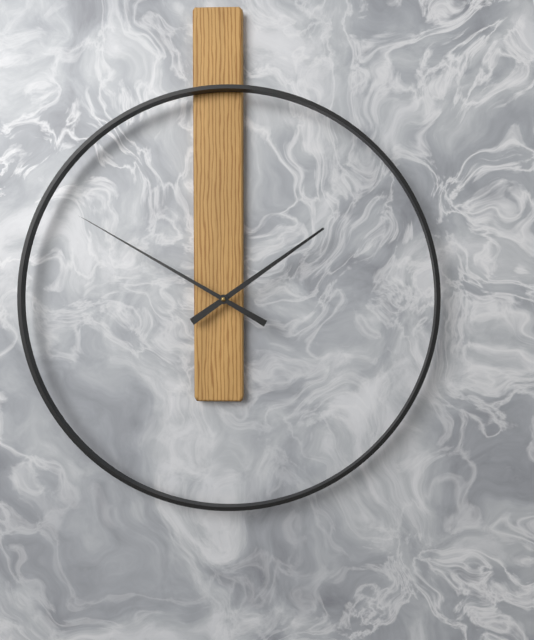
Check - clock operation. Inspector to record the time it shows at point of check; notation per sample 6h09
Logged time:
1h50
